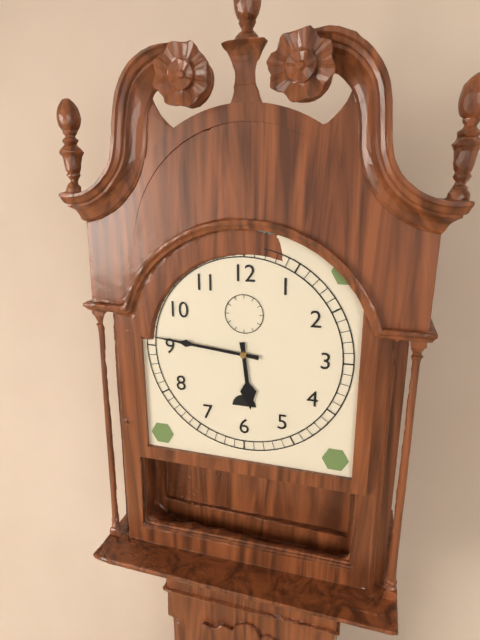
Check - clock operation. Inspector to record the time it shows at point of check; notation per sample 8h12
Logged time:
5h46
